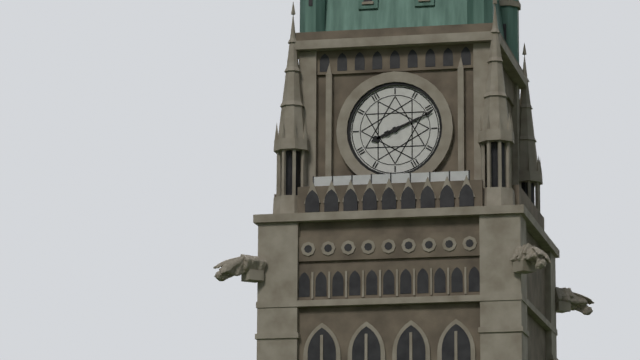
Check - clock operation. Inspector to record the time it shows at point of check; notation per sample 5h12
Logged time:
8h11
